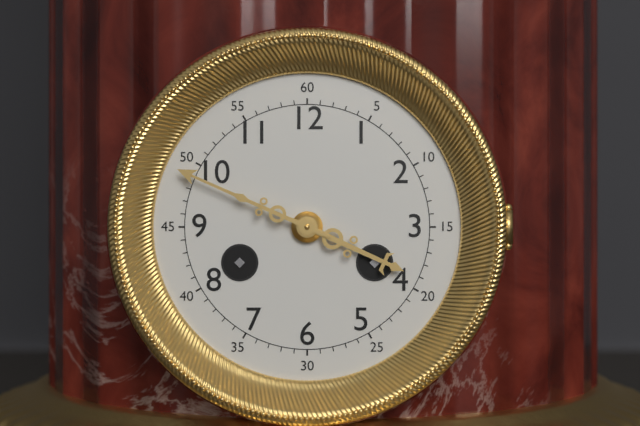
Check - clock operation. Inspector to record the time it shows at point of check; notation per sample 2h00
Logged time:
3h49
